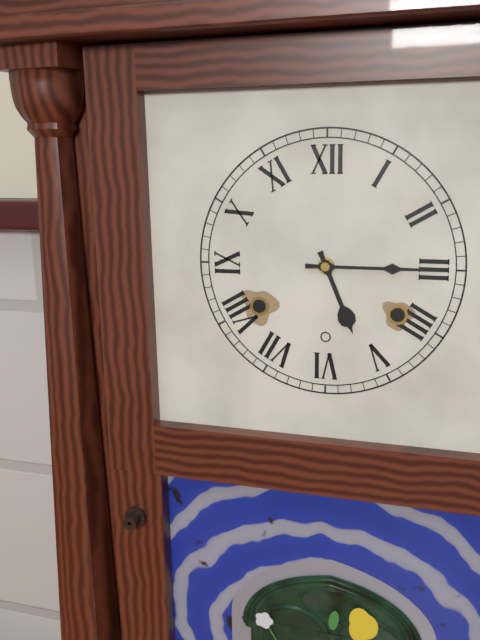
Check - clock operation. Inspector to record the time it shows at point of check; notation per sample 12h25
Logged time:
5h15
